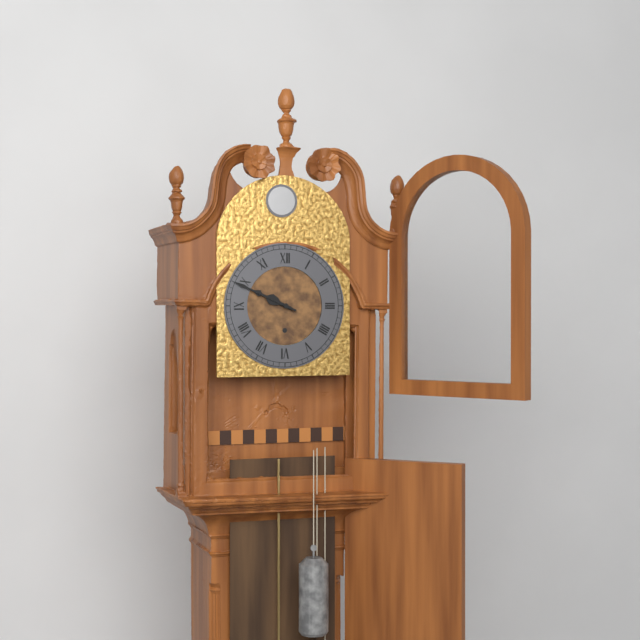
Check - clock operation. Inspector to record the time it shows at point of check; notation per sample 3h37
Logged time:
9h49
